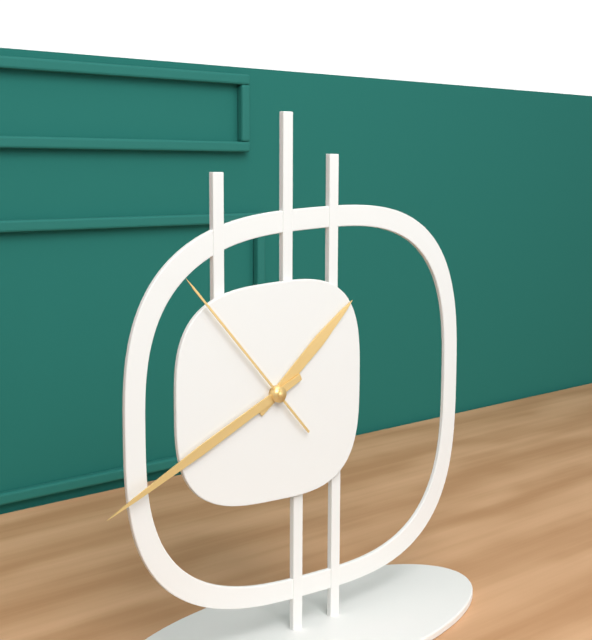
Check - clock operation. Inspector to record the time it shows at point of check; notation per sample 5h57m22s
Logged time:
1h41m53s
